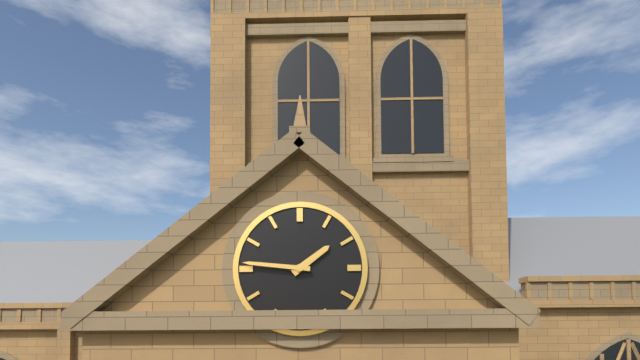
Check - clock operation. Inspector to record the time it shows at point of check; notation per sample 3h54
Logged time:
1h46
